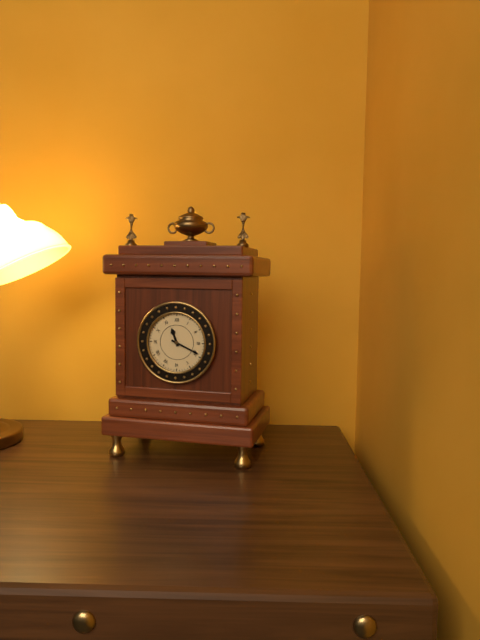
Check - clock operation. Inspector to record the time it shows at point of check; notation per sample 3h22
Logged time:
11h19
